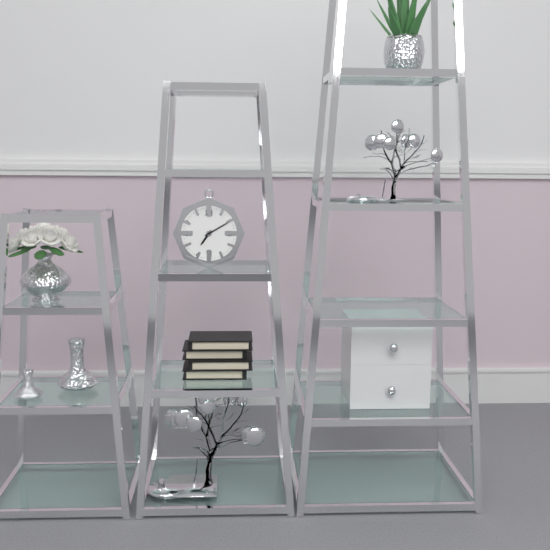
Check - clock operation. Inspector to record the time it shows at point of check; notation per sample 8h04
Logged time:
7h10
